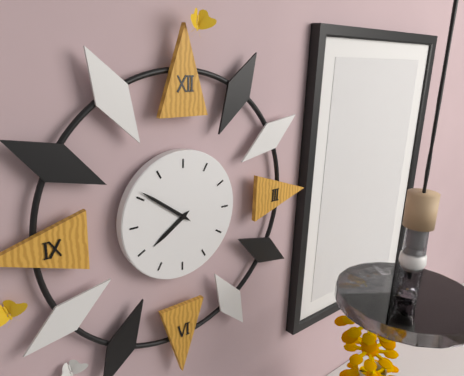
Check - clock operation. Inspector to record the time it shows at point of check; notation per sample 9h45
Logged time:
7h51
